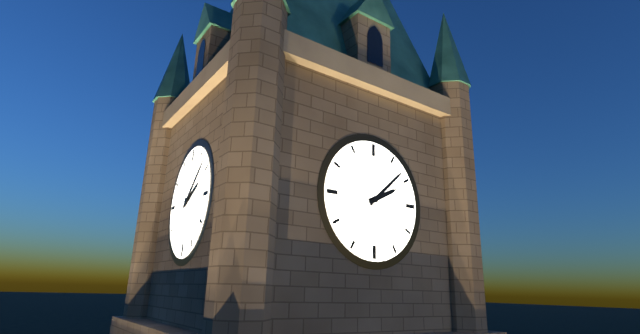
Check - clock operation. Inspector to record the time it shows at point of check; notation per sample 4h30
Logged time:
2h08
